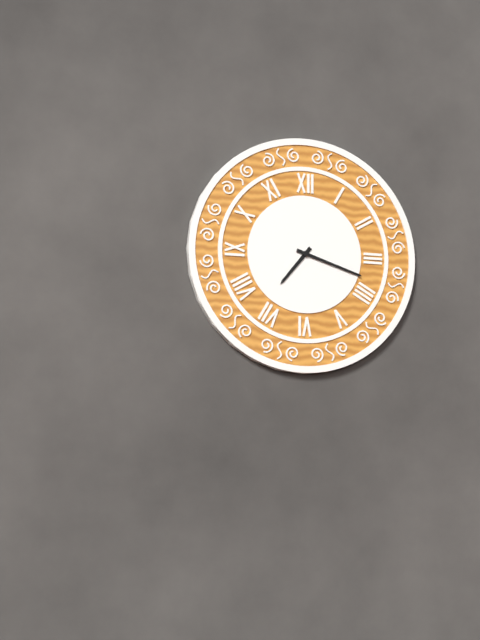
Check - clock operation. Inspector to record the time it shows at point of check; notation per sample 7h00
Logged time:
7h18
